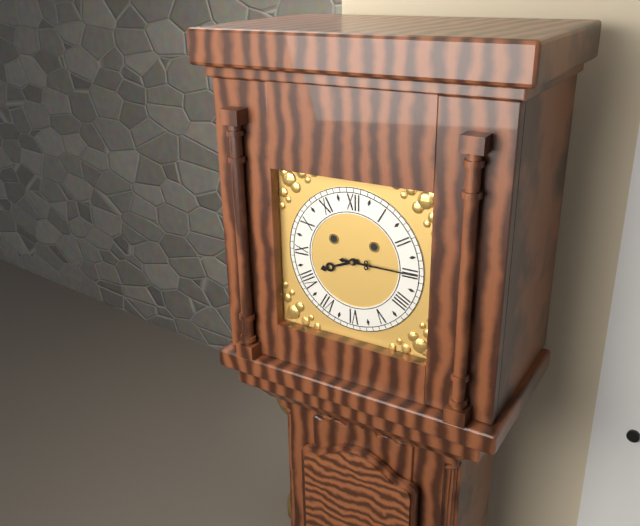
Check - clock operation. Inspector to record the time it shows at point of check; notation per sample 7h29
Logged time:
8h15
